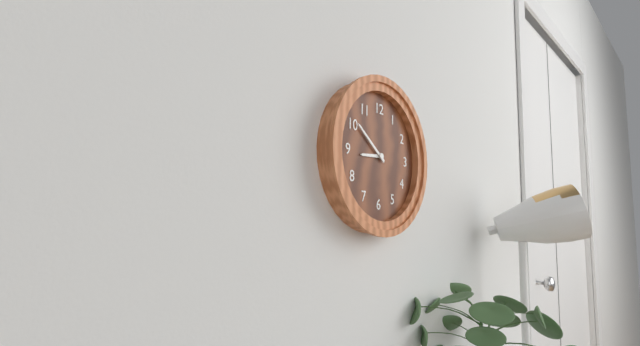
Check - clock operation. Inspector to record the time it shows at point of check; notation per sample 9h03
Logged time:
8h51
